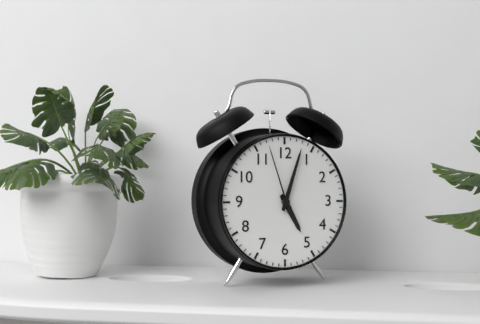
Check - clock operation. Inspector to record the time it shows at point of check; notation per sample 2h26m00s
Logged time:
5h03m57s
